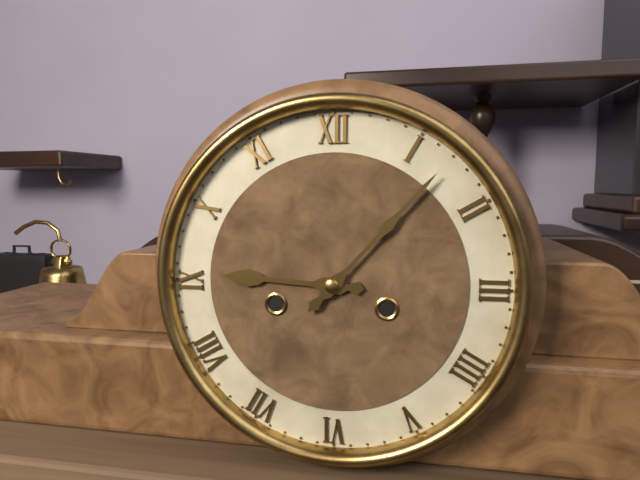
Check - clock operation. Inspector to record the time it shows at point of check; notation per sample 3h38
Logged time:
9h07
